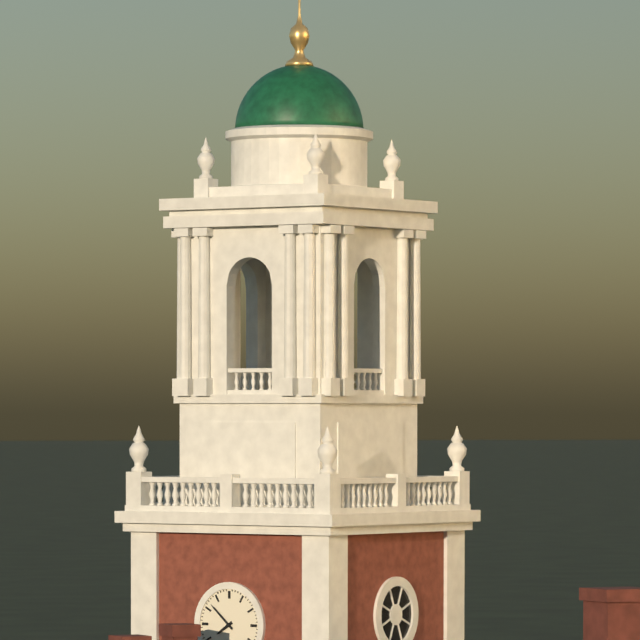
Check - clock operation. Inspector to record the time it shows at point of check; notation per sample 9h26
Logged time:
7h52
